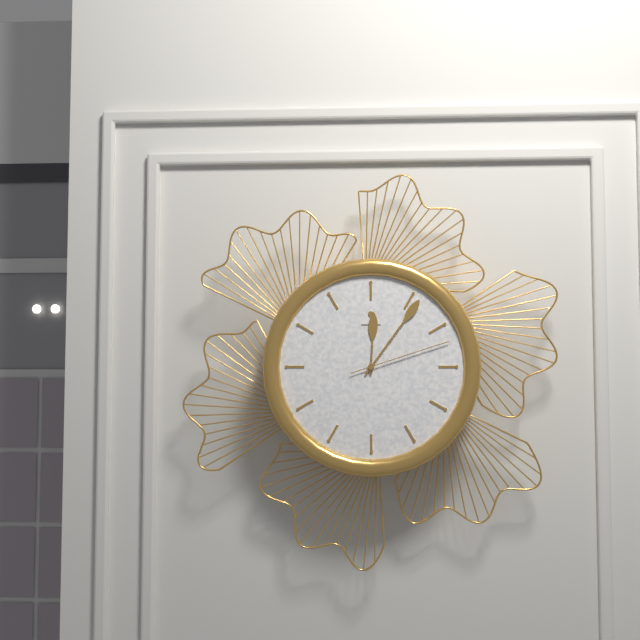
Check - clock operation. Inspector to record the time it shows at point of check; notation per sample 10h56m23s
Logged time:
12h06m12s
